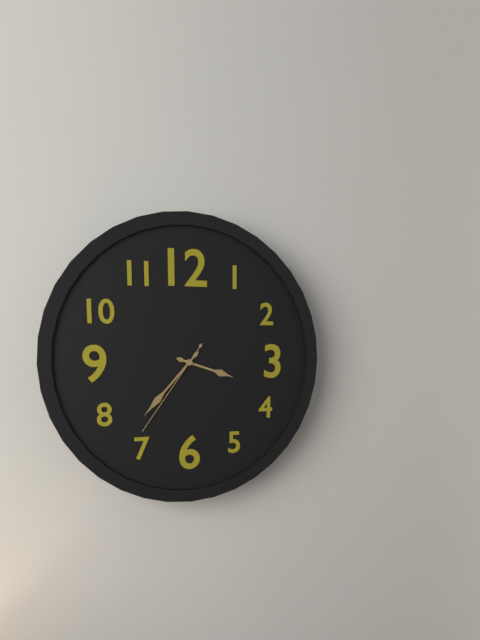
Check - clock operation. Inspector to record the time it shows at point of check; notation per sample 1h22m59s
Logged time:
3h37m36s
